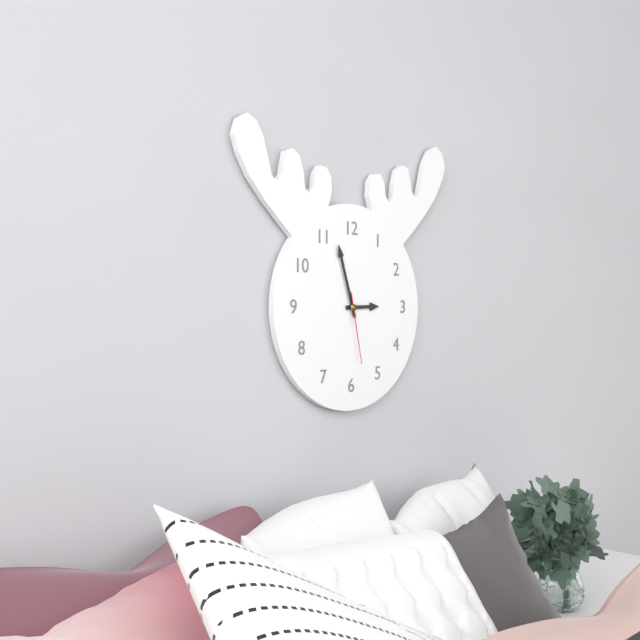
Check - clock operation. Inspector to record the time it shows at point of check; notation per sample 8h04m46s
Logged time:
2h57m28s
